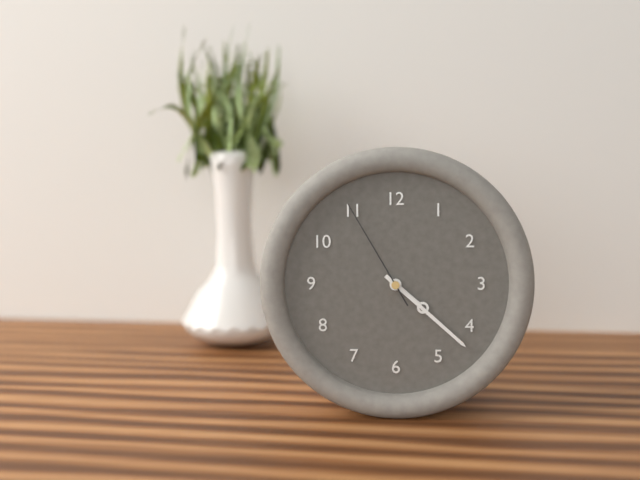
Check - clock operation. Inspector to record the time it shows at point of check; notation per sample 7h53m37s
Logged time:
4h22m55s
